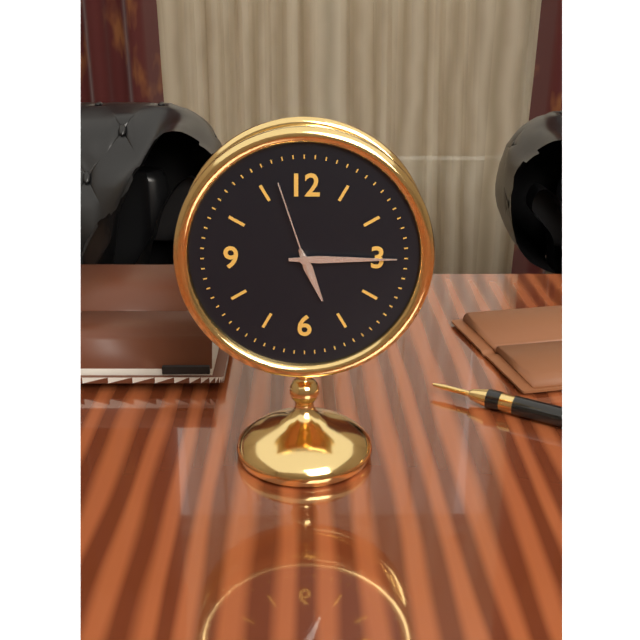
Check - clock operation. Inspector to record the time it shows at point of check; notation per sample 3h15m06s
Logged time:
5h15m57s
